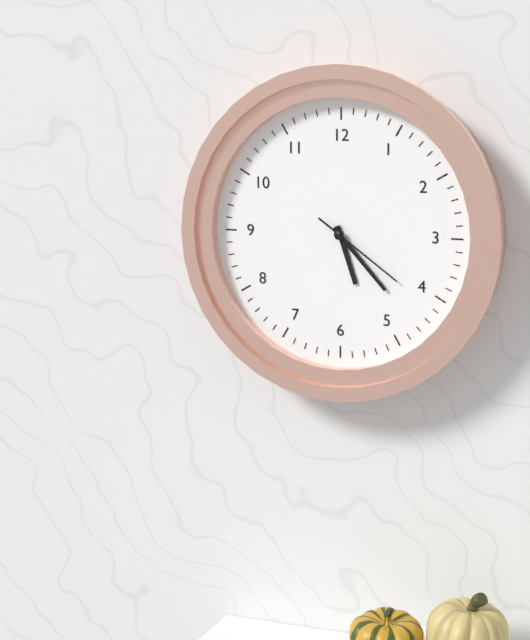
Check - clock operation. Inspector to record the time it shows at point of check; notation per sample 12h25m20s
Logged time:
5h23m21s
